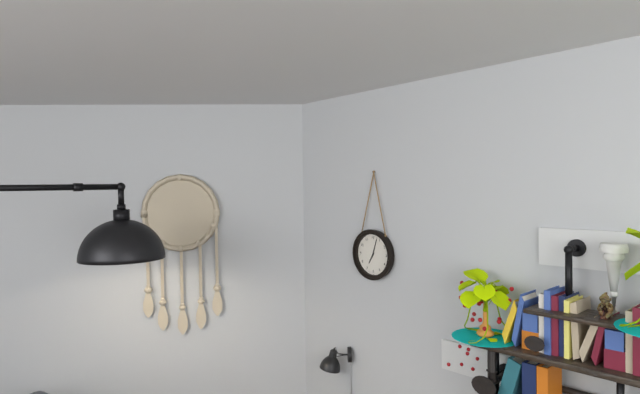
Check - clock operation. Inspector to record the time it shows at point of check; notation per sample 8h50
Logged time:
7h03
